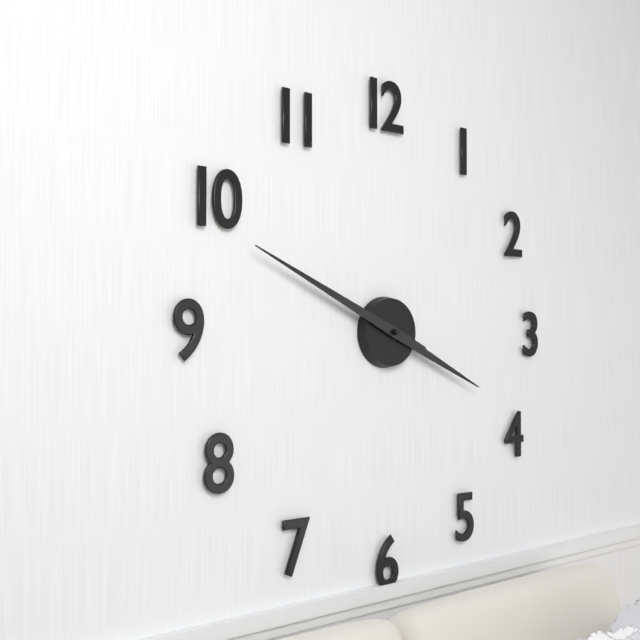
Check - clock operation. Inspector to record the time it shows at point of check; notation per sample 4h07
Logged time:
3h49
